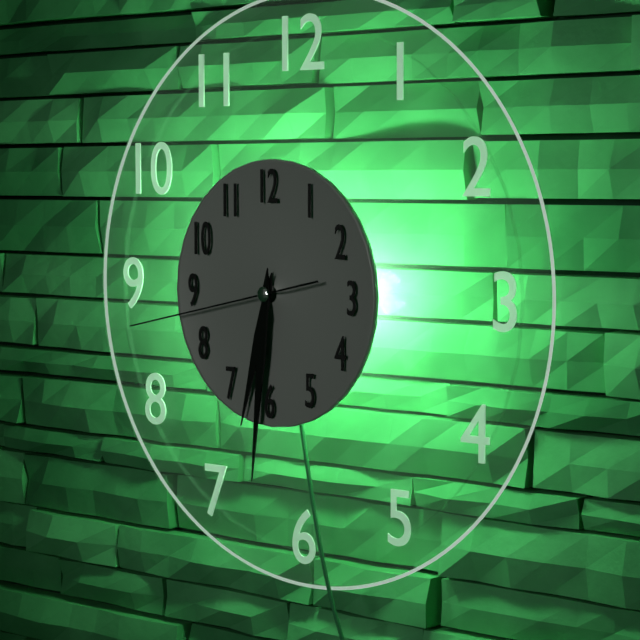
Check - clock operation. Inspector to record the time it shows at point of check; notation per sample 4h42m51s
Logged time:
6h31m43s
